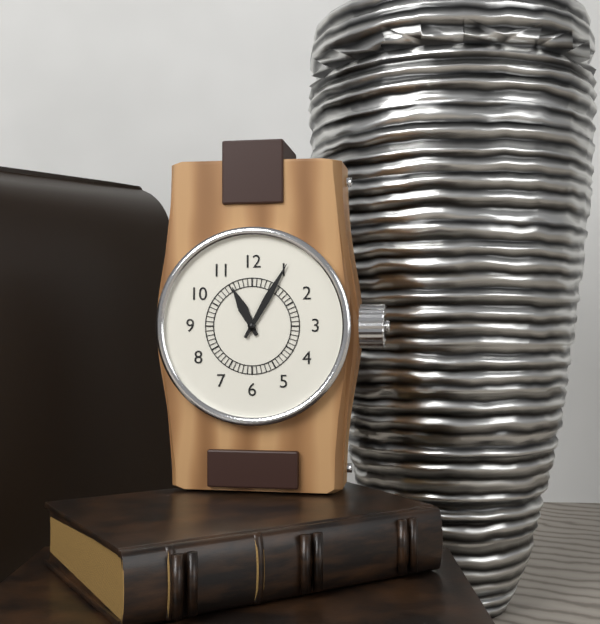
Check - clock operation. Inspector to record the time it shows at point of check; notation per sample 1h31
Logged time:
11h05
